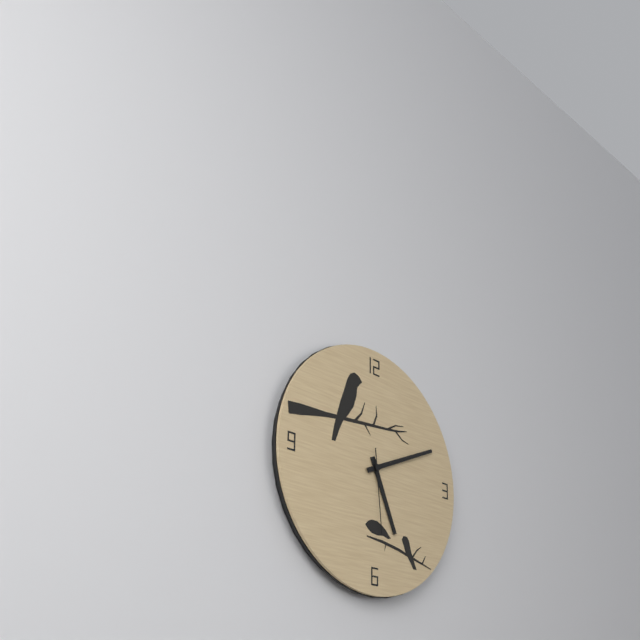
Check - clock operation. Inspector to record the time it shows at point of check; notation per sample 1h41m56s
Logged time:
5h11m29s
